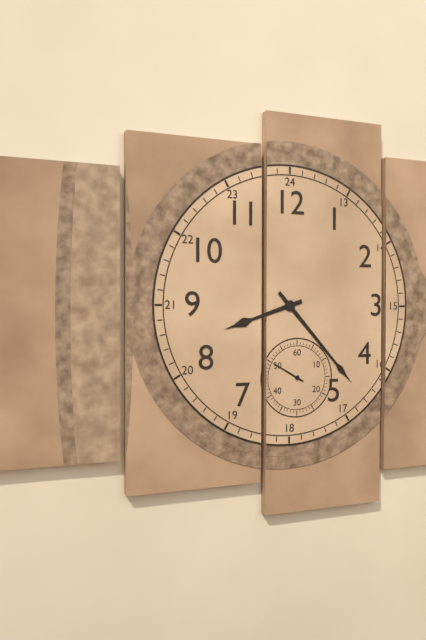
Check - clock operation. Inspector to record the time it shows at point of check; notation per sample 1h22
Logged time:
8h23
